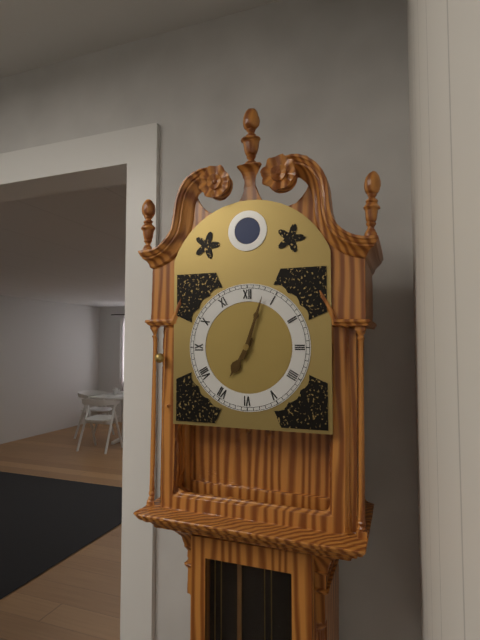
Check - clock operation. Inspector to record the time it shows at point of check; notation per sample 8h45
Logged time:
7h03
